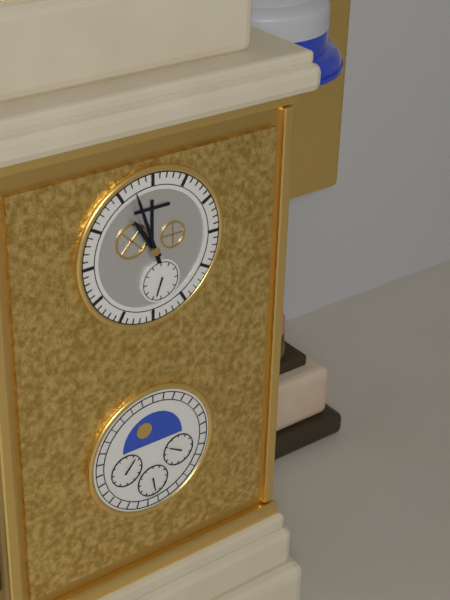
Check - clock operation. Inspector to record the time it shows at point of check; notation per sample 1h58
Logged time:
10h57
